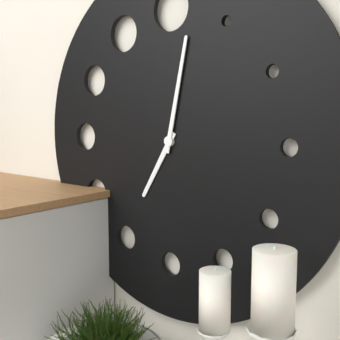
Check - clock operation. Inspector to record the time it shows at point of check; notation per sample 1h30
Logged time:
7h02
